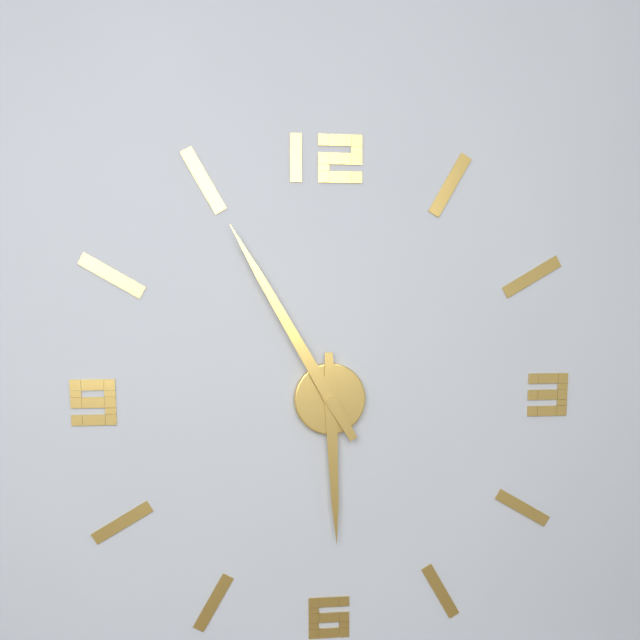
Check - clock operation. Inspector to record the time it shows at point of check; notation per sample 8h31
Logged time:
5h55
